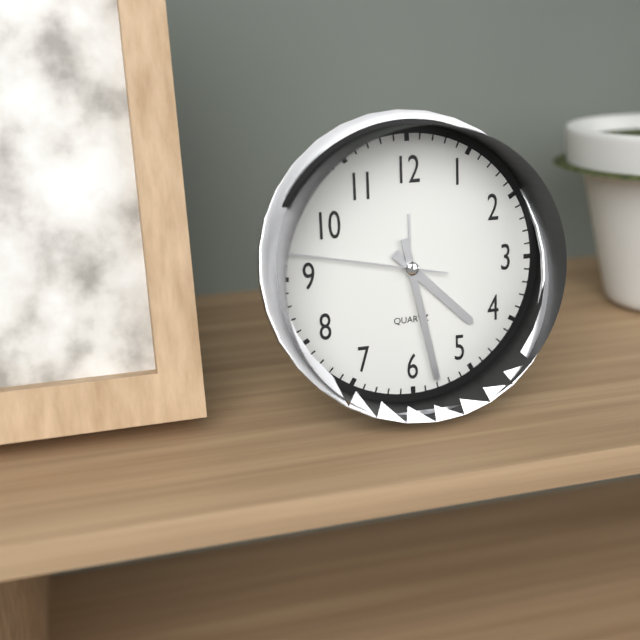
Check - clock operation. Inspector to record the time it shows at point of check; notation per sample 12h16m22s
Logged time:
4h28m47s
